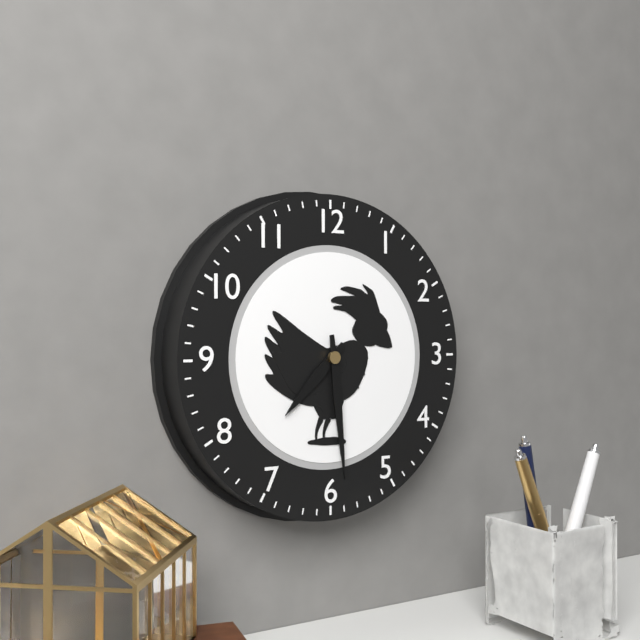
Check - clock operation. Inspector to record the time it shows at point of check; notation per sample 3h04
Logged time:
7h29
